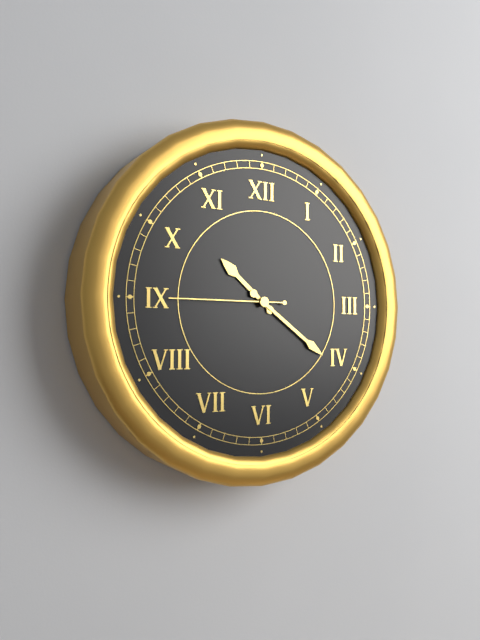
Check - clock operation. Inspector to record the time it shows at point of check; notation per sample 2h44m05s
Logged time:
10h21m45s
